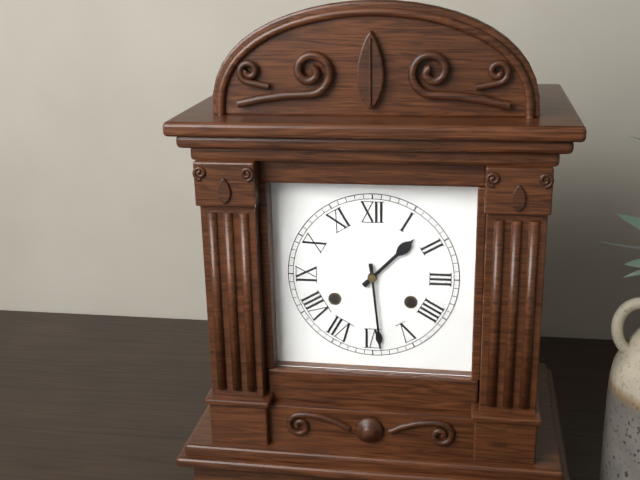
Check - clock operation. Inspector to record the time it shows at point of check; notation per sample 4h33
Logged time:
1h29
